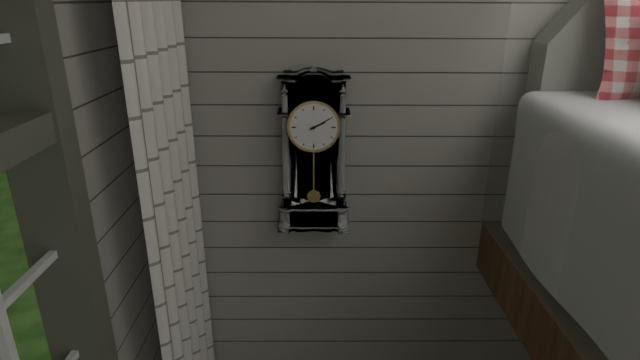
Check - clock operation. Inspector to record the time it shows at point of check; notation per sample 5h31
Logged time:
2h10
